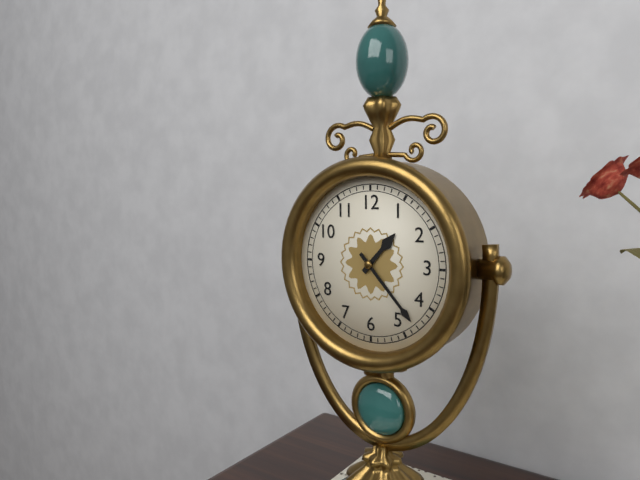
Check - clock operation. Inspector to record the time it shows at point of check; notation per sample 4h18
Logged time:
1h23
